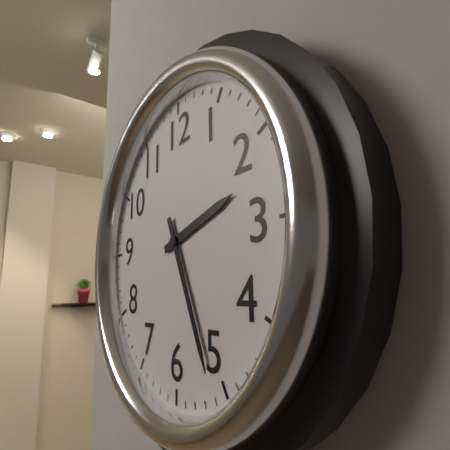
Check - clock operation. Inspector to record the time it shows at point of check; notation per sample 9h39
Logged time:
2h26
